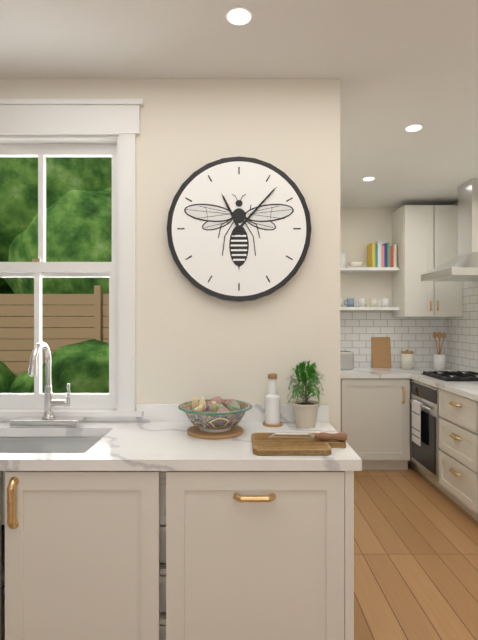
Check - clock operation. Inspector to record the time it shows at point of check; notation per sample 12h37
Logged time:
11h07
